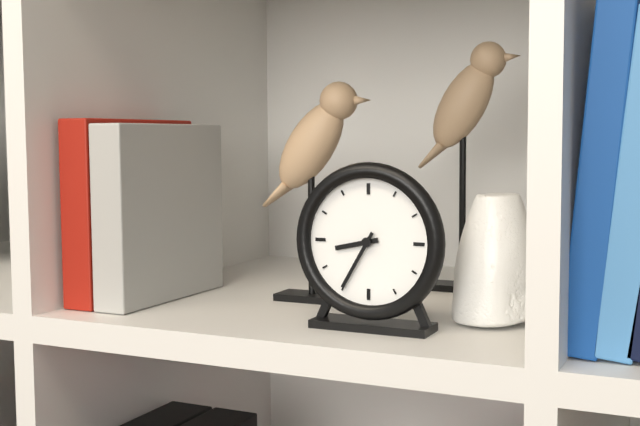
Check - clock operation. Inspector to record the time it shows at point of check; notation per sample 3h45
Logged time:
8h35
